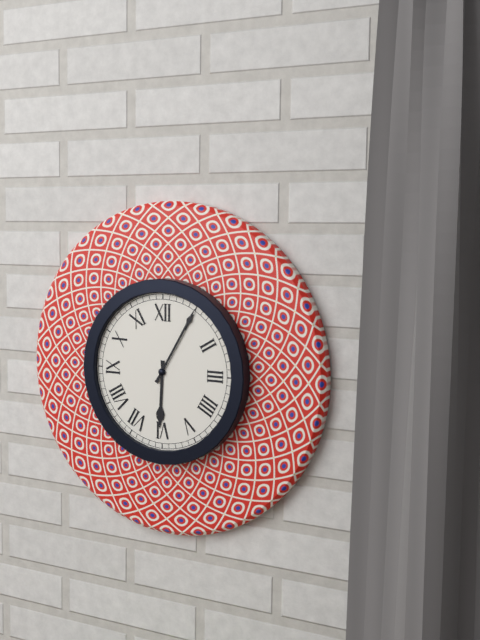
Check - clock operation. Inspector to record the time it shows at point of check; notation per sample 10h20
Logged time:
6h05
